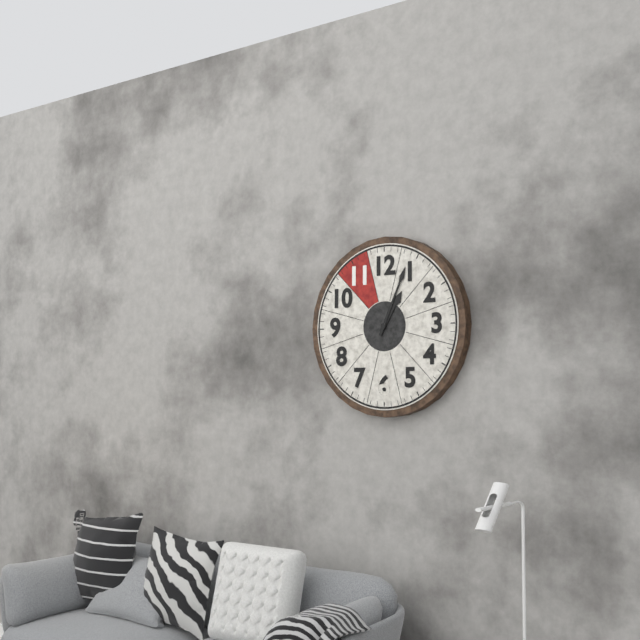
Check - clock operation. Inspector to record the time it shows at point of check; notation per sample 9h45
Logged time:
1h04
